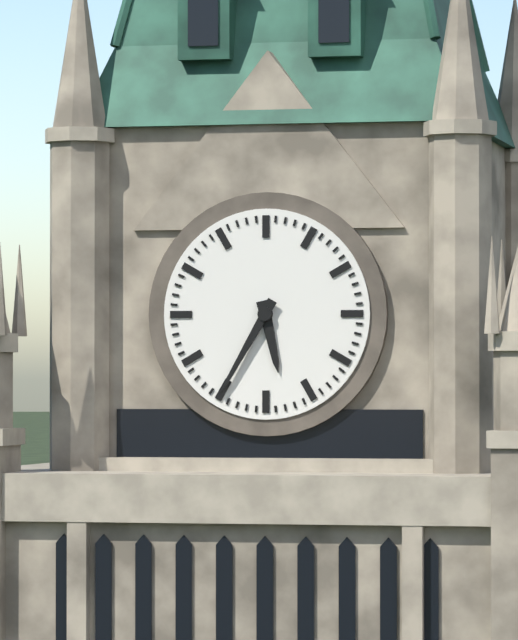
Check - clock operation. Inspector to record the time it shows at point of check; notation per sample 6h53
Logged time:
5h35
